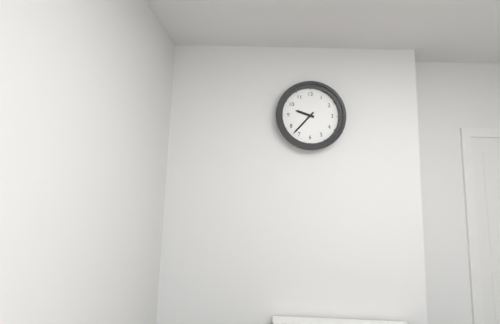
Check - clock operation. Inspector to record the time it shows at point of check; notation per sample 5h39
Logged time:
9h37
